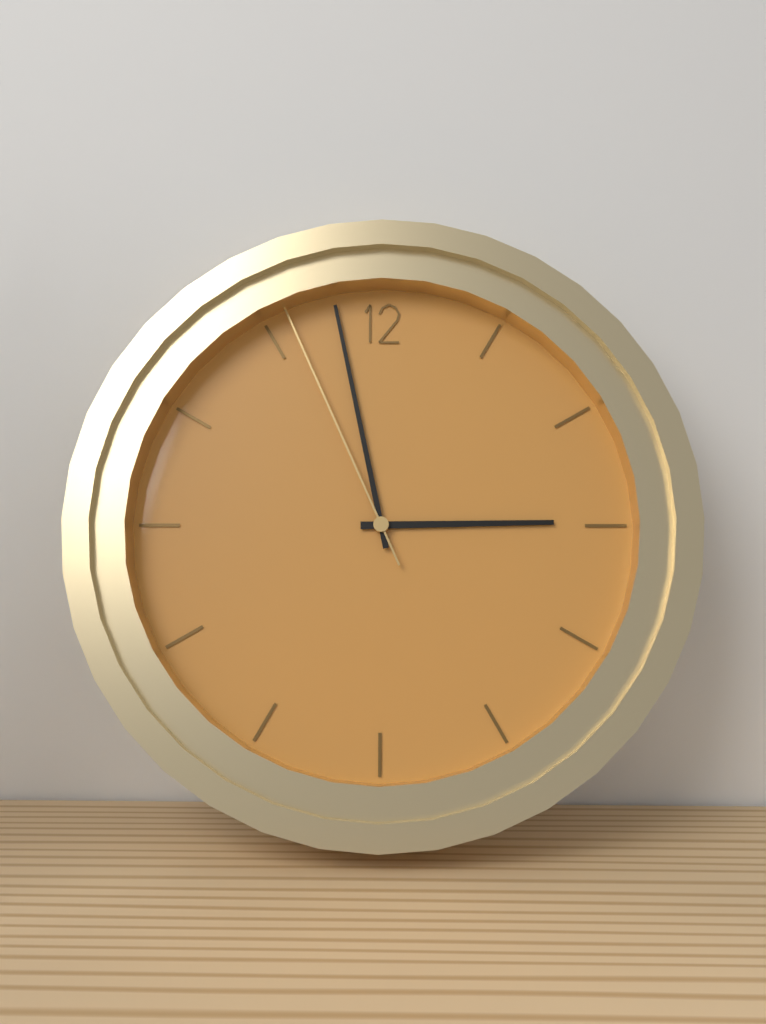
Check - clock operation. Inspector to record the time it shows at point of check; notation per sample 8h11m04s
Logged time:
2h58m56s
